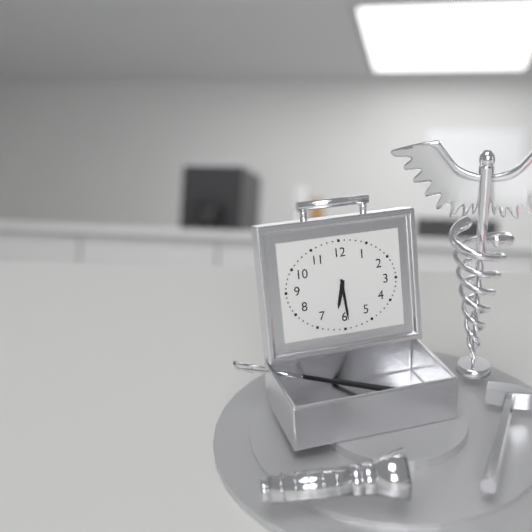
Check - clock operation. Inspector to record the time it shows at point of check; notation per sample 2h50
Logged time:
6h29
